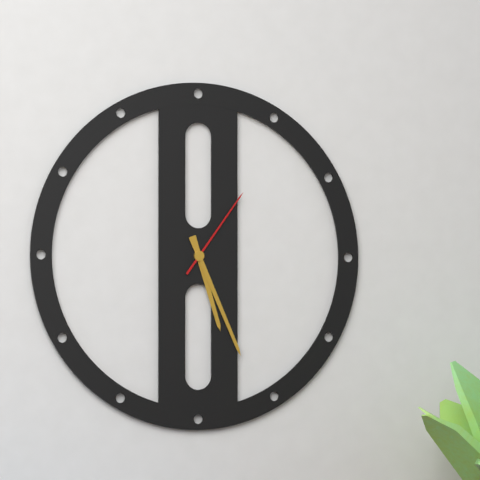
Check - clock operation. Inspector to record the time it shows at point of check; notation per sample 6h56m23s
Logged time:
5h26m06s
